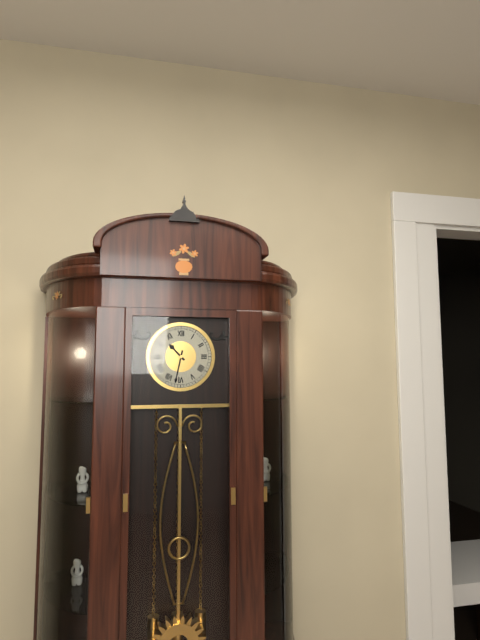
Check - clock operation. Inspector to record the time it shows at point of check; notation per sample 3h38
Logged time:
10h32
